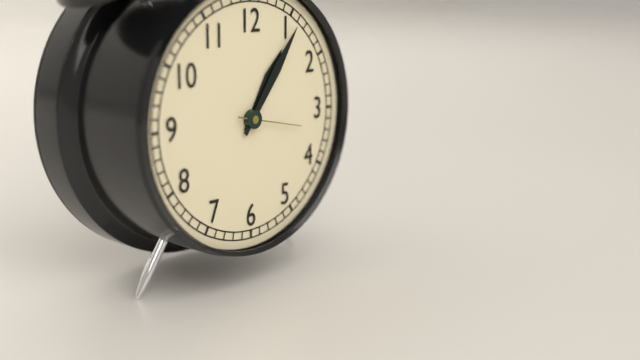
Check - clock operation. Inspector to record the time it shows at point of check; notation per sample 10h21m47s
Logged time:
1h06m17s
